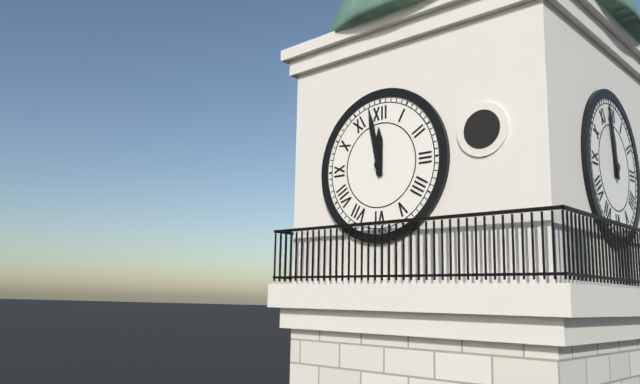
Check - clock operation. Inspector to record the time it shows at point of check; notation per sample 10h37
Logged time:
11h58
